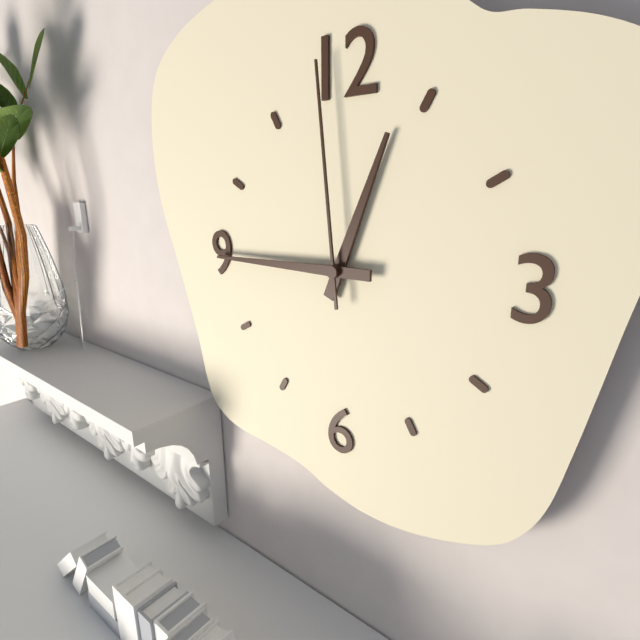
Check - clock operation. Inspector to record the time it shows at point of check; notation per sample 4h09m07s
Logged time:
12h45m59s
